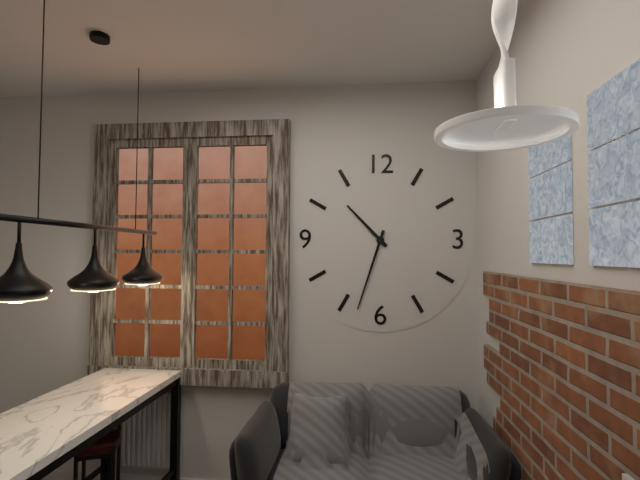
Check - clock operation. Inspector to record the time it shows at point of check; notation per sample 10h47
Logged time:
10h33
